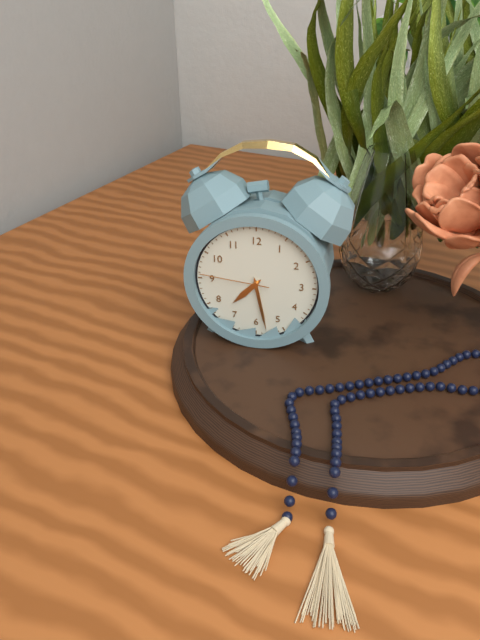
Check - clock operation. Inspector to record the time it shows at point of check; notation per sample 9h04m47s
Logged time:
7h28m46s
